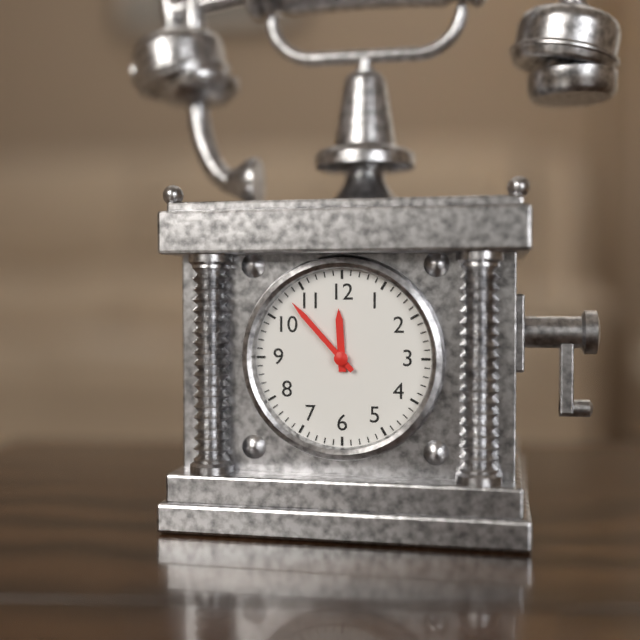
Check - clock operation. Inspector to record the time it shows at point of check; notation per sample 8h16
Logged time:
11h53
